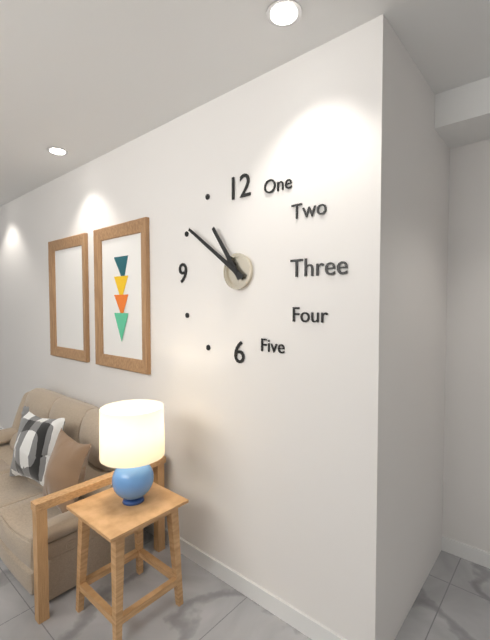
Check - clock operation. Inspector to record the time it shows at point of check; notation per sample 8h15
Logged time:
10h51
